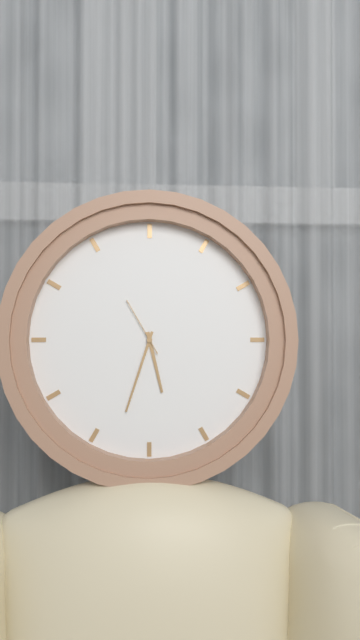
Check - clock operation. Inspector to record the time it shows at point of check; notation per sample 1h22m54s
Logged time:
5h33m55s
